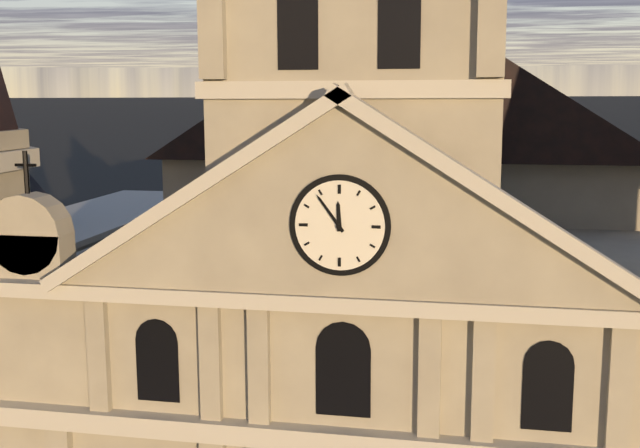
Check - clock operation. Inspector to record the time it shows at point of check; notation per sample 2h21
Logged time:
11h54
